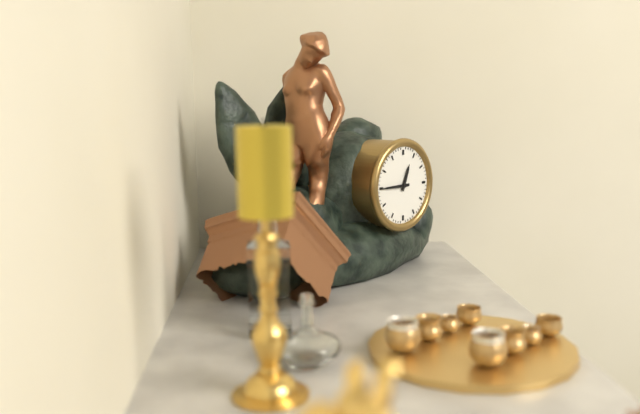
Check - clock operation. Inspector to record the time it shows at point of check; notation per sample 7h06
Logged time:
12h45
